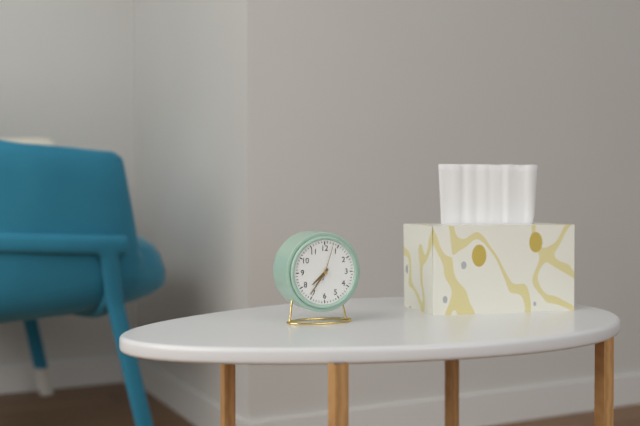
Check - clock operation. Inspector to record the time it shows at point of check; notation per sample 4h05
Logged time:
7h36
